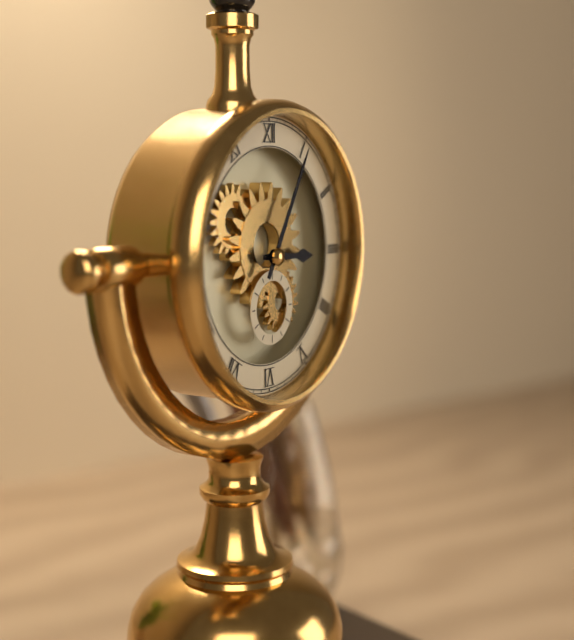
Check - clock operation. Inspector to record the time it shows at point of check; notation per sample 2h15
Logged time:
3h05
